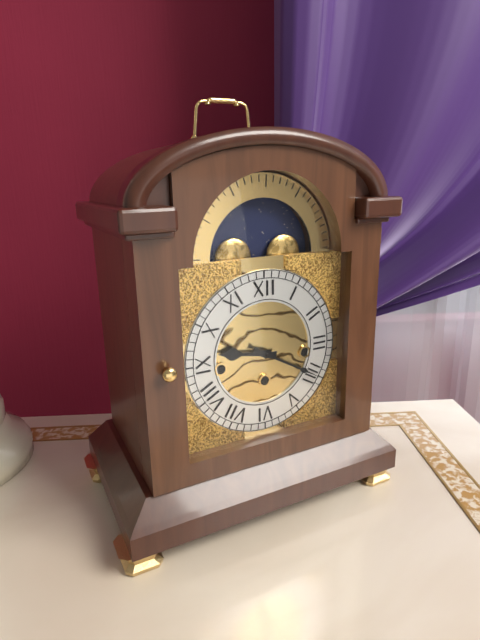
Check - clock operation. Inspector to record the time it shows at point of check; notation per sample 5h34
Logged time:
9h20
